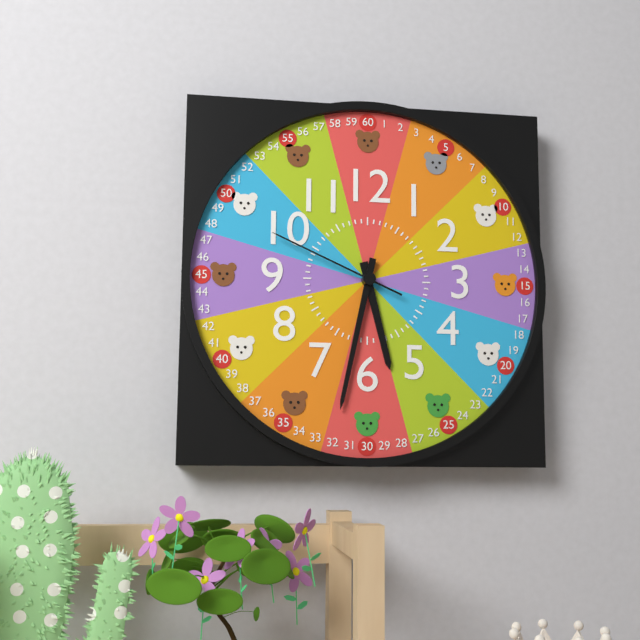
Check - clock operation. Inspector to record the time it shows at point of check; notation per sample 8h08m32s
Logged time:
5h32m49s
